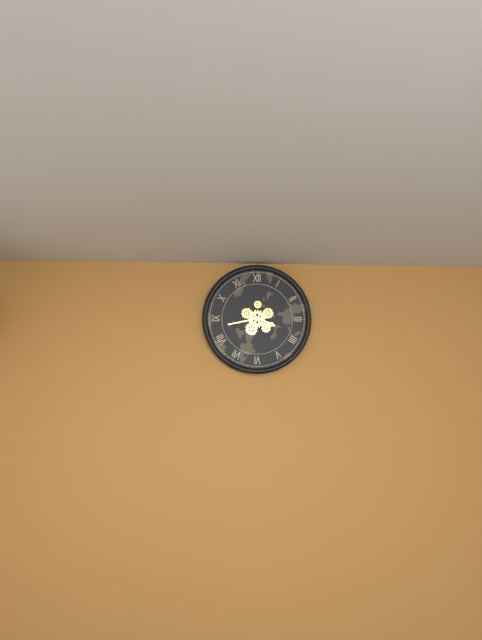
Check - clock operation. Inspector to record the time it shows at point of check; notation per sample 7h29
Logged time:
3h43
